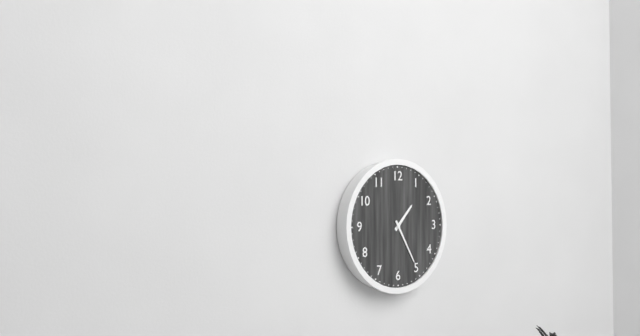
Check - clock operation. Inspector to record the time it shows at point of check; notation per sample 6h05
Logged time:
1h25
